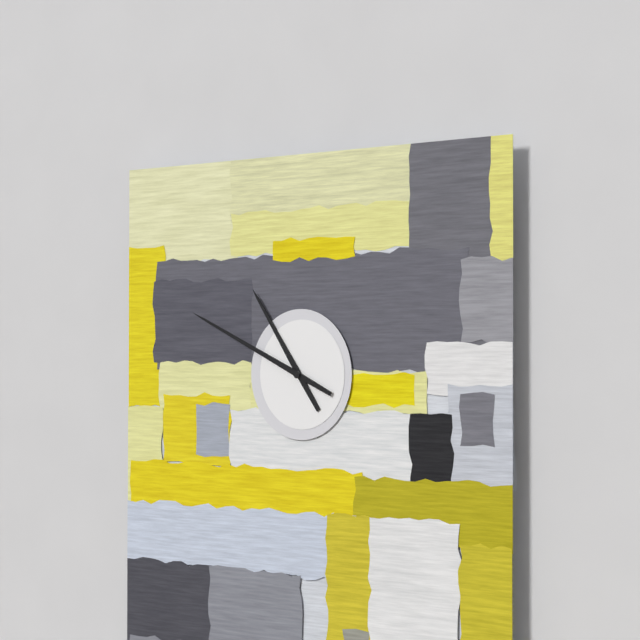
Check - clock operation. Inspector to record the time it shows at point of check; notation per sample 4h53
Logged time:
10h49
